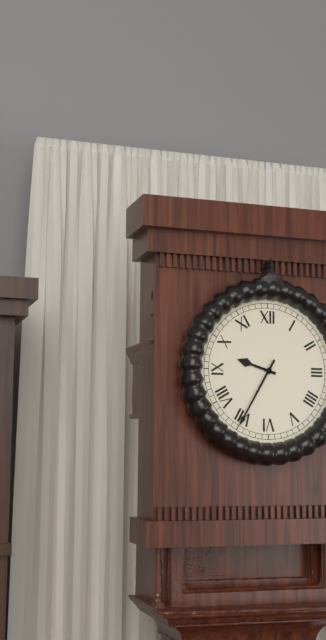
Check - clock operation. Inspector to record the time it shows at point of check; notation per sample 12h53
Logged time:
9h35
